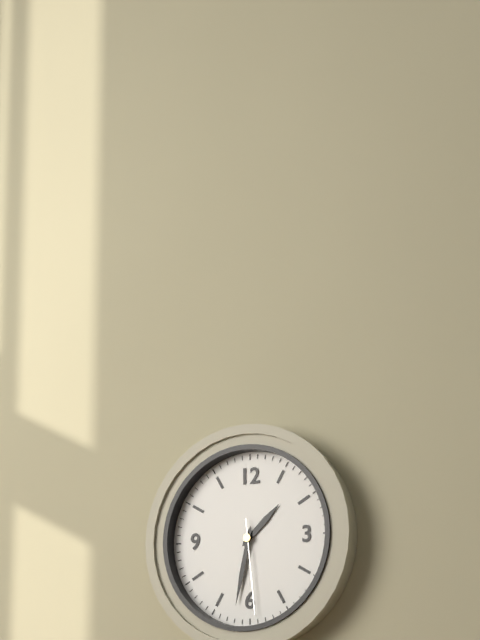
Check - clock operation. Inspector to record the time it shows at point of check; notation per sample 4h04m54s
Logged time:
1h32m29s
